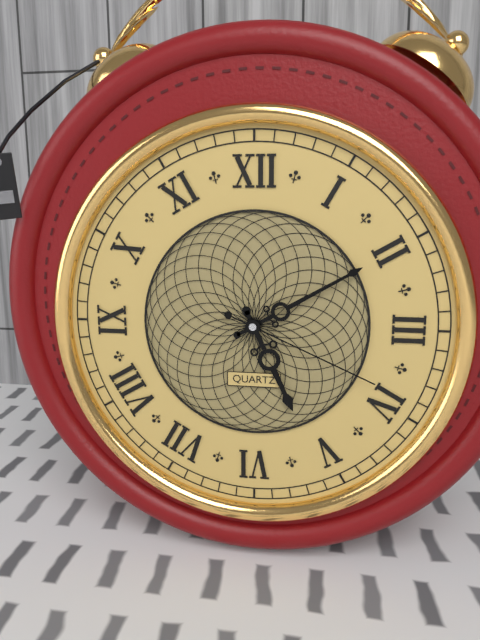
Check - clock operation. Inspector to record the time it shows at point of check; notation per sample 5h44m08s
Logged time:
5h10m19s
